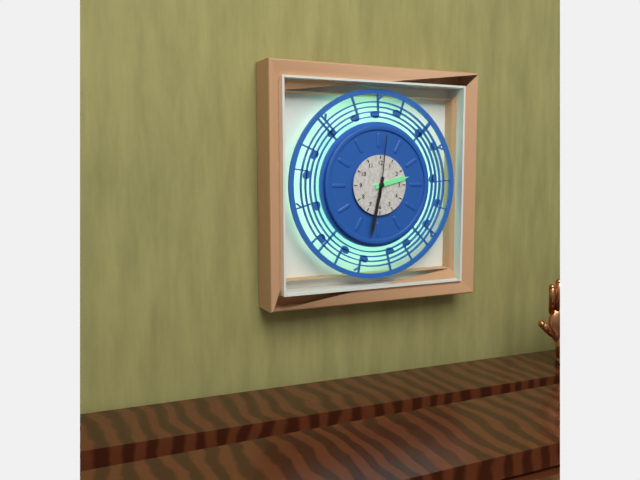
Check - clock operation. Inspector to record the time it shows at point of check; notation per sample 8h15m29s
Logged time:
2h32m01s
